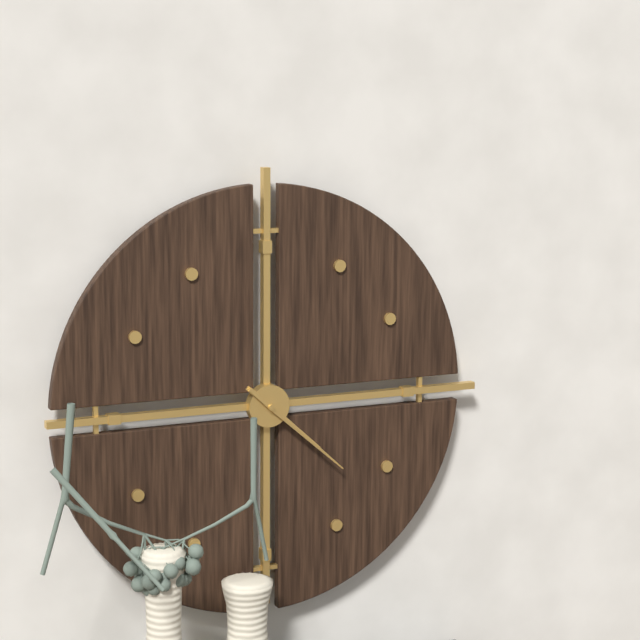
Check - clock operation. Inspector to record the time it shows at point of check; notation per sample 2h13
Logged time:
4h22
